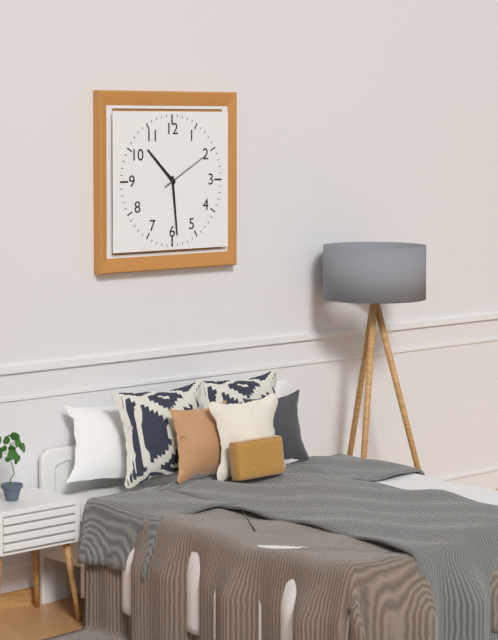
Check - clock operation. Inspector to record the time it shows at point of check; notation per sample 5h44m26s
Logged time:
10h29m10s
